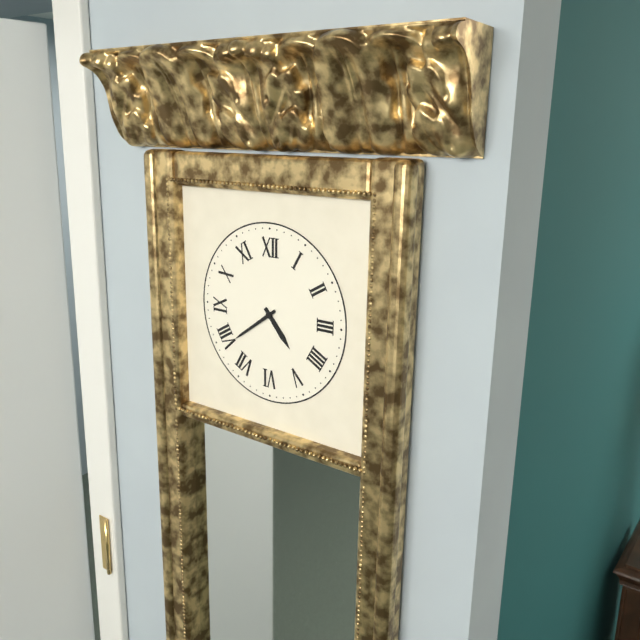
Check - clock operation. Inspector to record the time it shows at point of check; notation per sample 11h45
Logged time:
4h39
